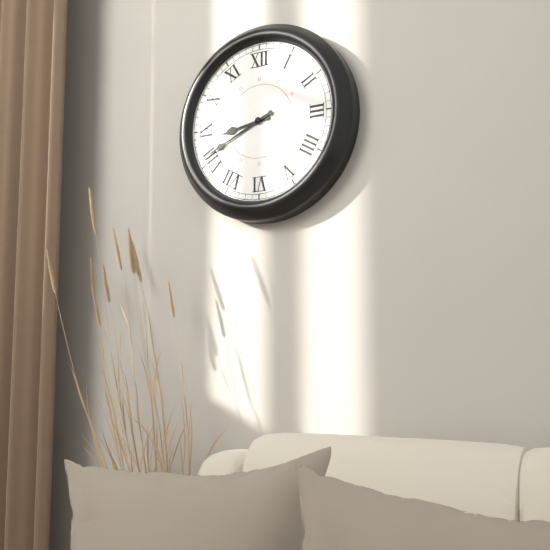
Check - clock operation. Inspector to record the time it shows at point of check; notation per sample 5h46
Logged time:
8h41
